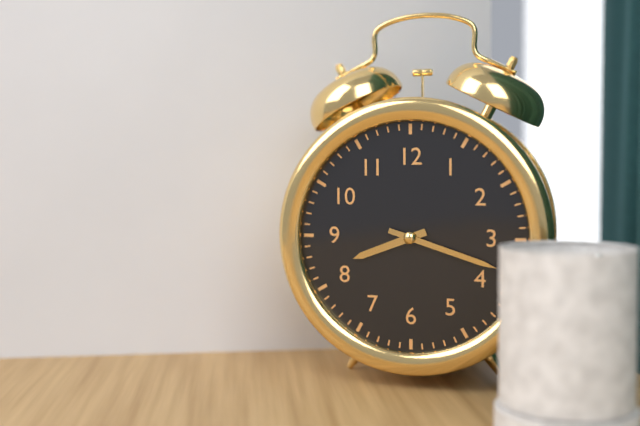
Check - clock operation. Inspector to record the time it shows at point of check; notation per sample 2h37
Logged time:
8h18
